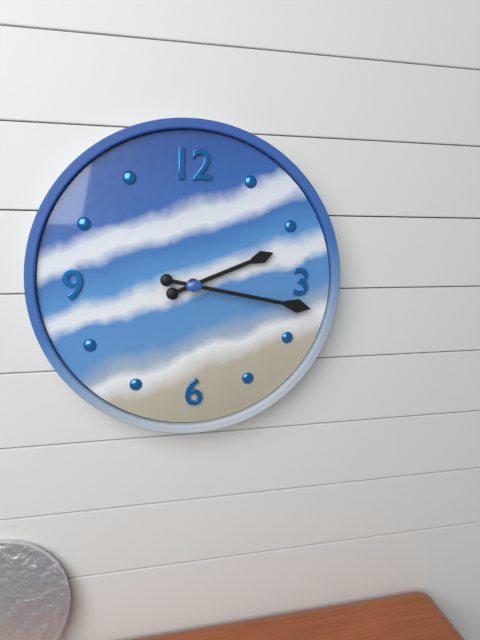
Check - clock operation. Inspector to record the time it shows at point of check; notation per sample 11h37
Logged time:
2h17
